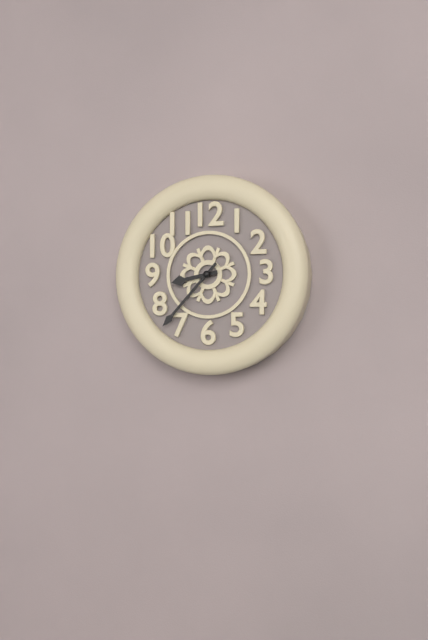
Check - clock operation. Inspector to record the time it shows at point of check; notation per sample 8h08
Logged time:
8h37
